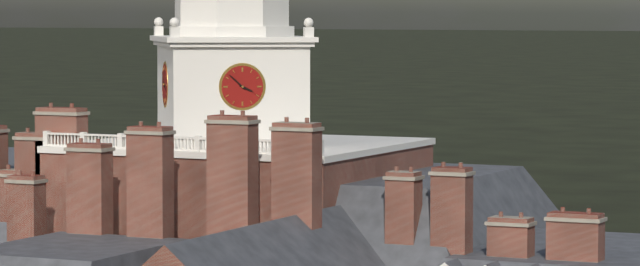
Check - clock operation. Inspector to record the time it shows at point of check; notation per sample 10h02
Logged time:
3h52
